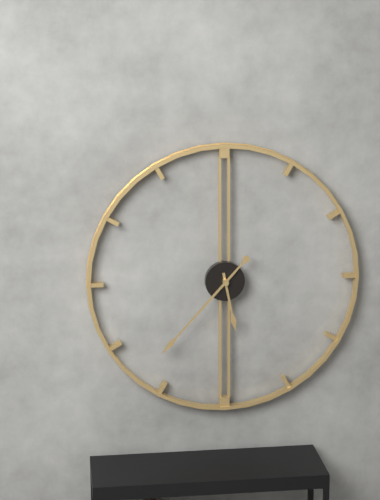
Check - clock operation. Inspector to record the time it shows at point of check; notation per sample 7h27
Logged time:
5h37
